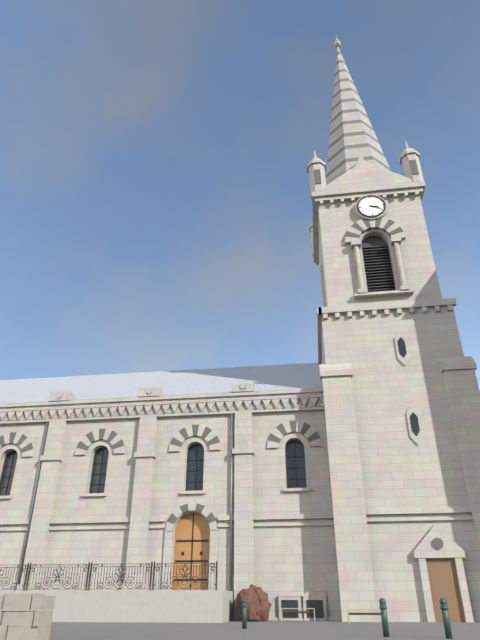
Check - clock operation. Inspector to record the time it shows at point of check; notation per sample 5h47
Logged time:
3h19
